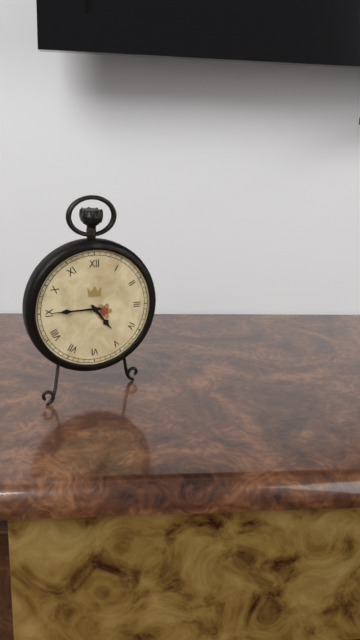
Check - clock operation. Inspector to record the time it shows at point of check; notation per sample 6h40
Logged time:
4h45
